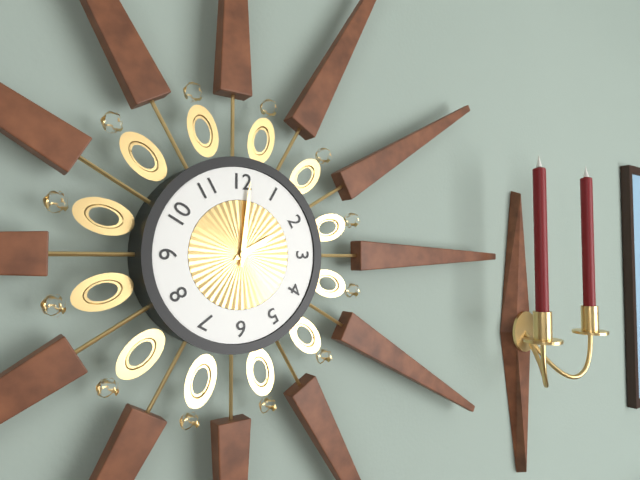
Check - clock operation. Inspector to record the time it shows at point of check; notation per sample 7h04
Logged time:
2h01
